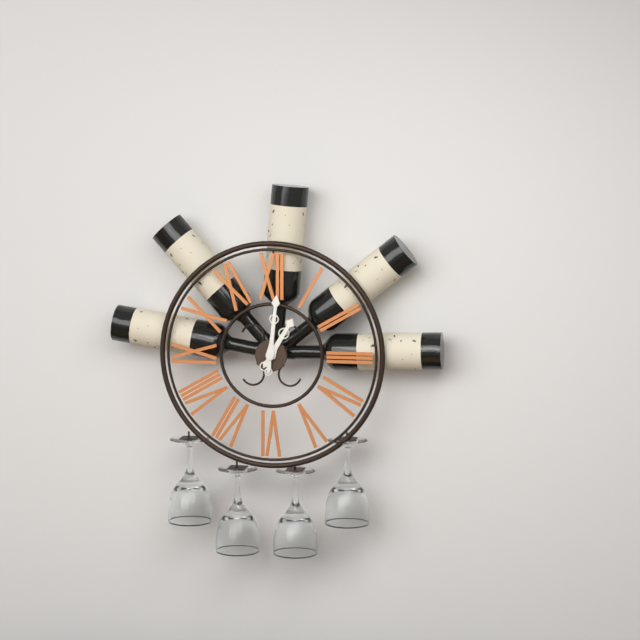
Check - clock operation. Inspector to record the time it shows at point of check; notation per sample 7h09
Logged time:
1h01
